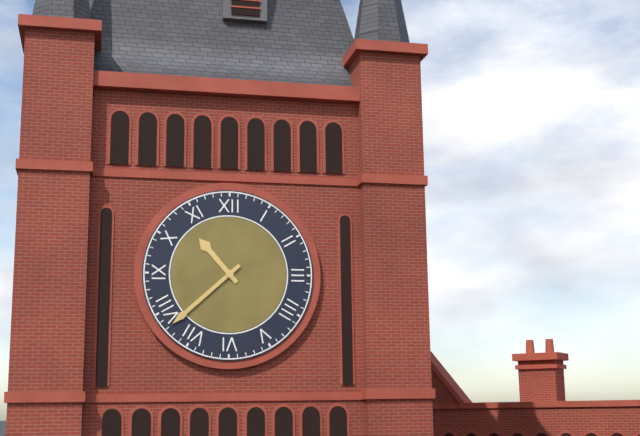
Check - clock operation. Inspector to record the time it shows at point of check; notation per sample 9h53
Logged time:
10h38
